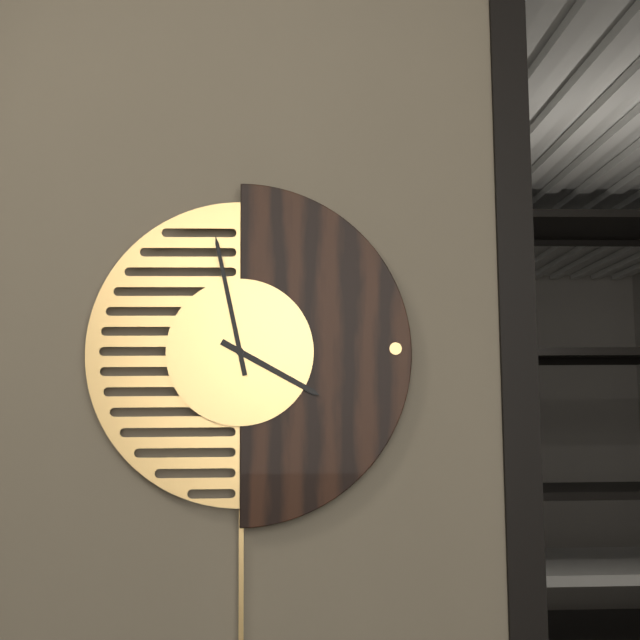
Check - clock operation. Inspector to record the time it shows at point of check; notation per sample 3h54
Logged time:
3h58
